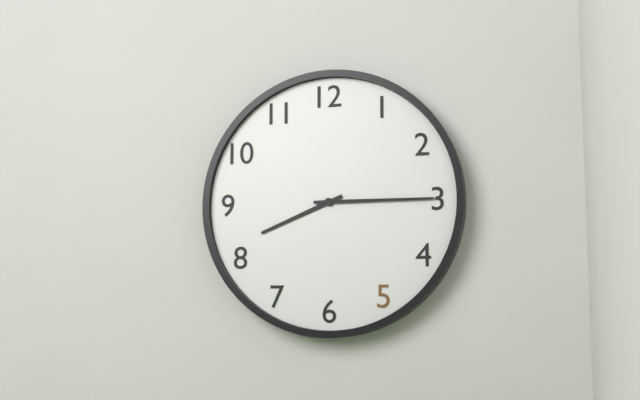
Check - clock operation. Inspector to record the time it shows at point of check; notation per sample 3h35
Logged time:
8h15
